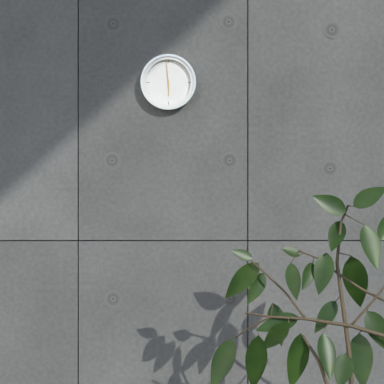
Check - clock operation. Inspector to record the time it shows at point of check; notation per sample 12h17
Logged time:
5h59
